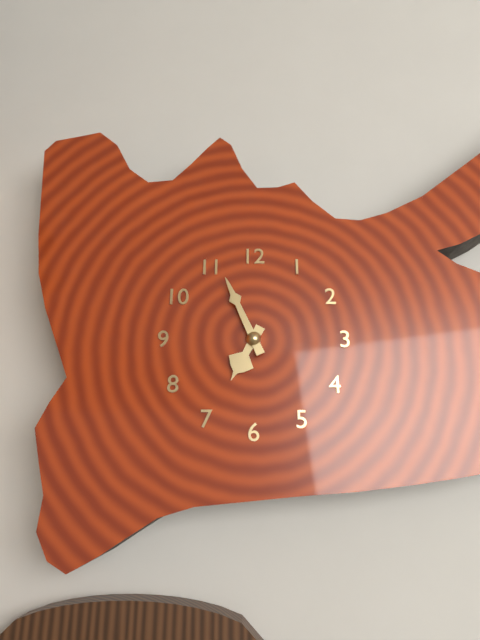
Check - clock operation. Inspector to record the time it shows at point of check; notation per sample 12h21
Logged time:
6h56
